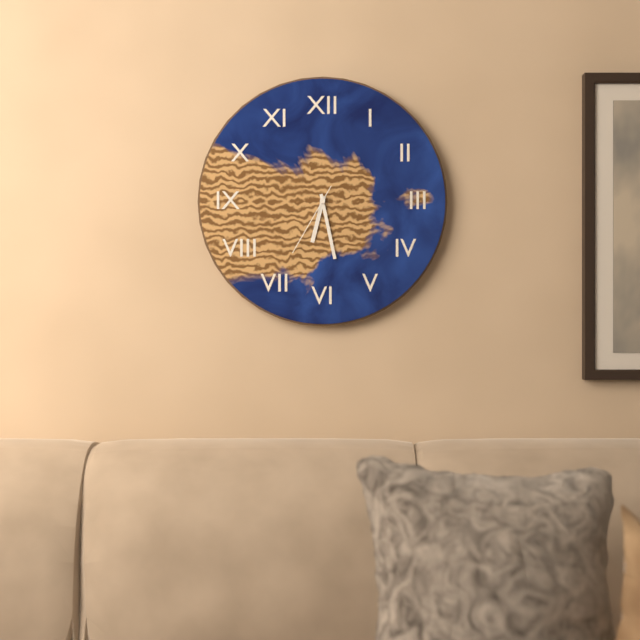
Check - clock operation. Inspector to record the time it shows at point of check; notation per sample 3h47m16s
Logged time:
6h28m35s
